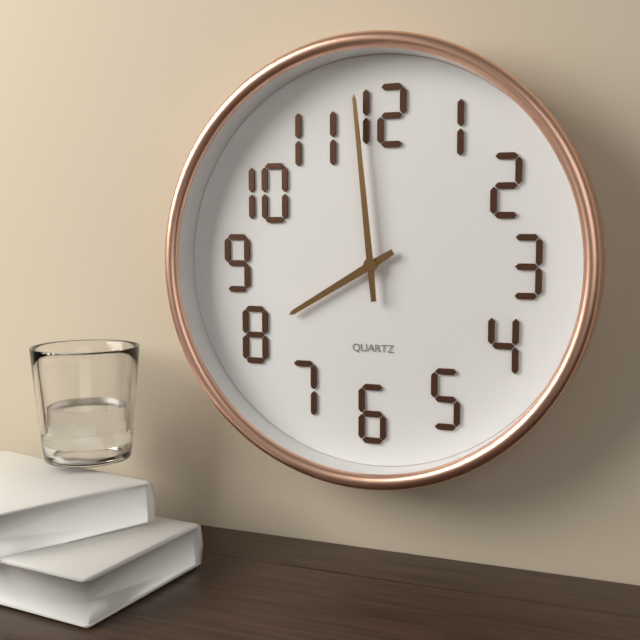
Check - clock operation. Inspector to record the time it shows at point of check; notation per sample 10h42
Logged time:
7h59
